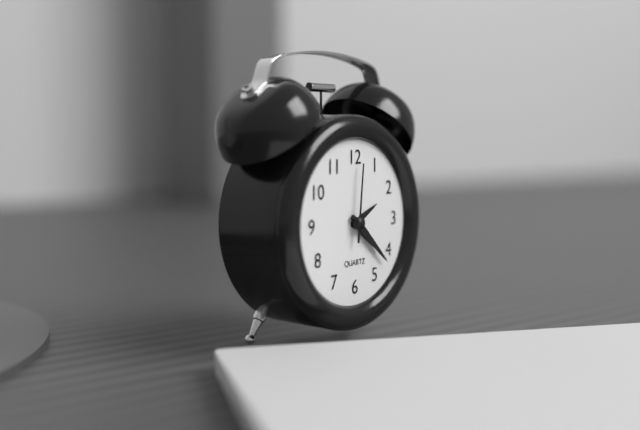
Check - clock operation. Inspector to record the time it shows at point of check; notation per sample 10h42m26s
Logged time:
4h22m01s
